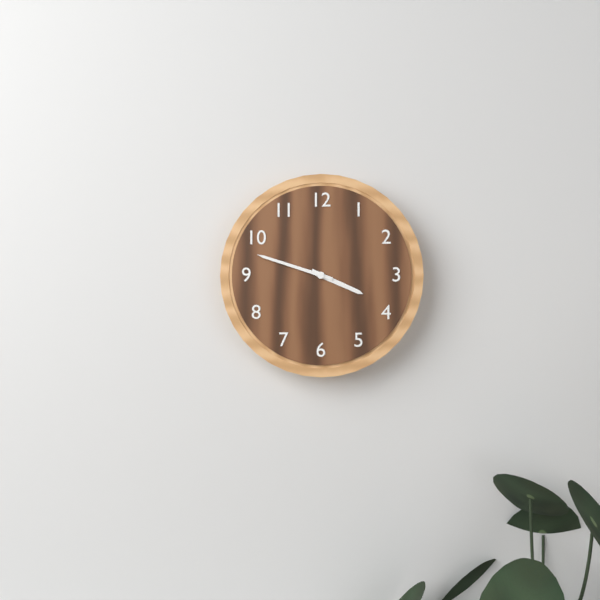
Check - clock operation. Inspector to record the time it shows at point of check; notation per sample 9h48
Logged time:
3h48
